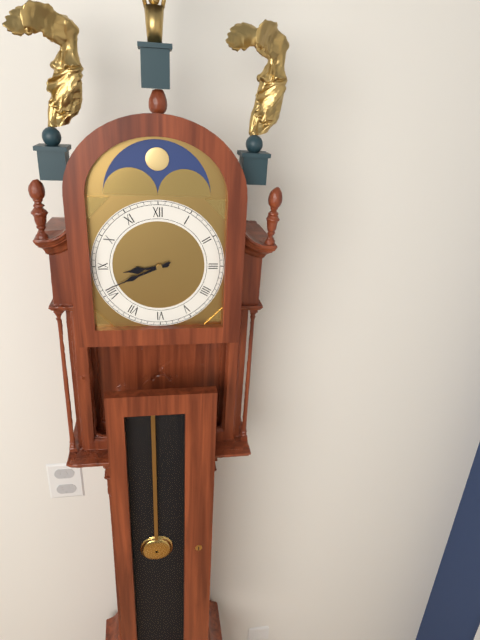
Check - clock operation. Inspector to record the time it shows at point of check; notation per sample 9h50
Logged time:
8h41
